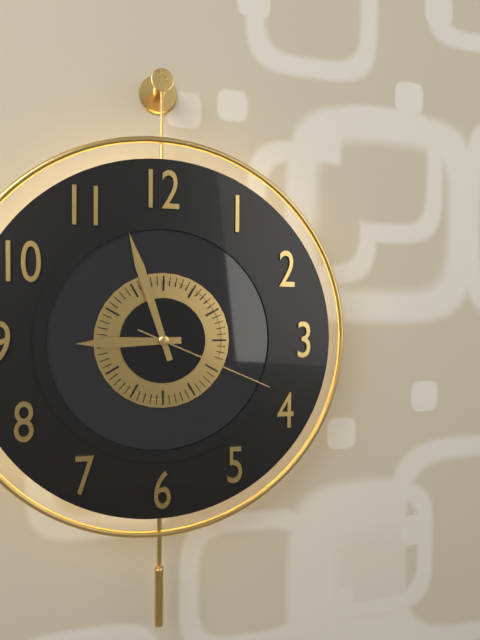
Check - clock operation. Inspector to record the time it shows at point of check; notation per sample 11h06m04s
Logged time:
8h57m19s
